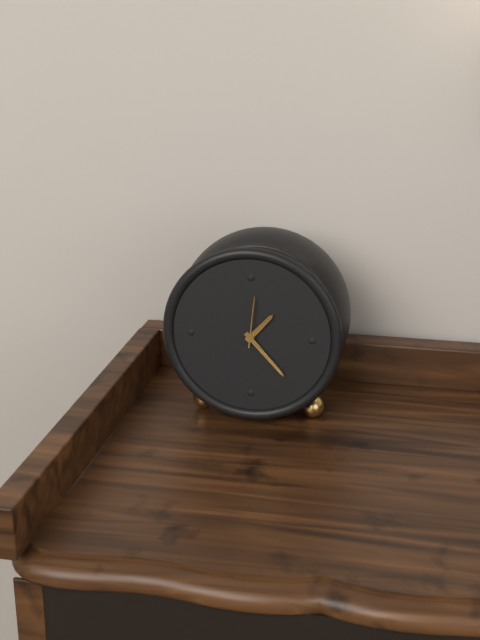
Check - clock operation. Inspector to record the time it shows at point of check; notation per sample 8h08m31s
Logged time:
1h23m01s
